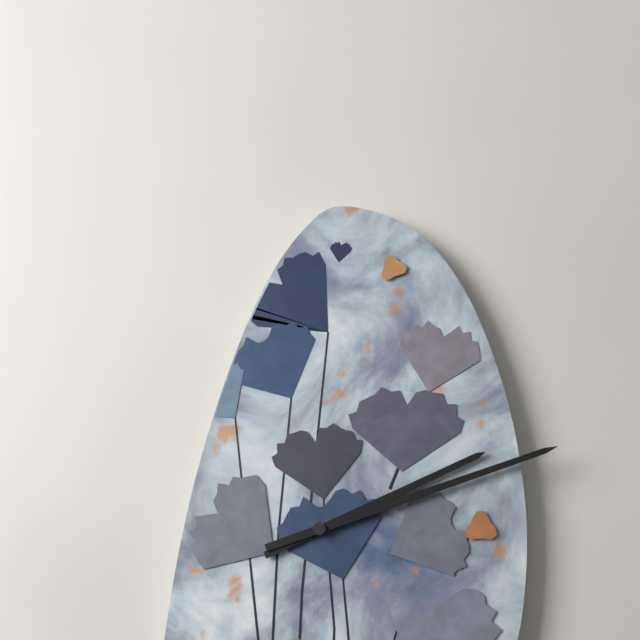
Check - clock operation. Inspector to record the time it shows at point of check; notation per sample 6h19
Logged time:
2h12
